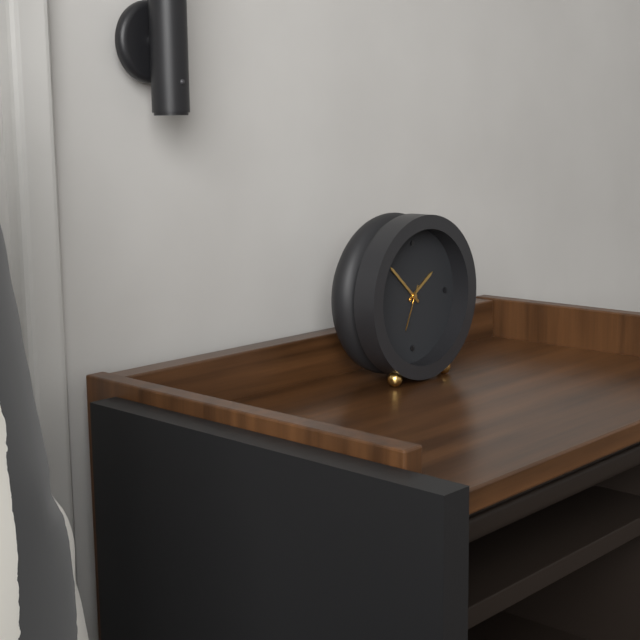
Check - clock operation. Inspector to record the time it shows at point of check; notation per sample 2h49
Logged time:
1h52
